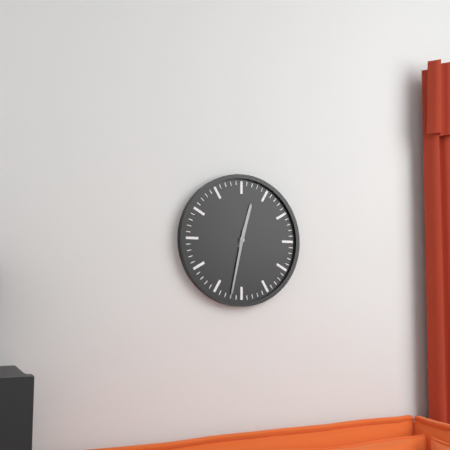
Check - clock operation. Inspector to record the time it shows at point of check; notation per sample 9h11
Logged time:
12h32
